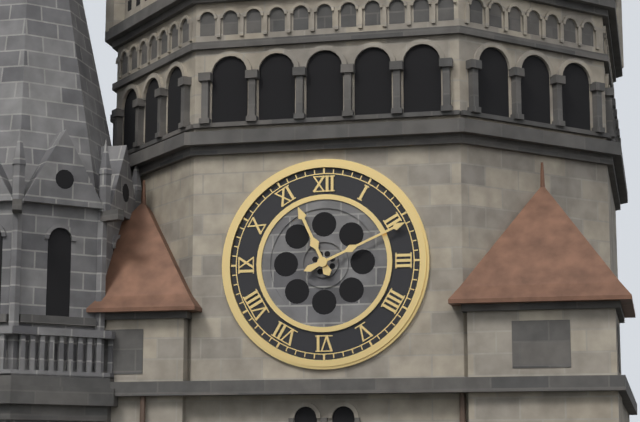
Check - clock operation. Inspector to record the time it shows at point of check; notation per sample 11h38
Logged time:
11h11
